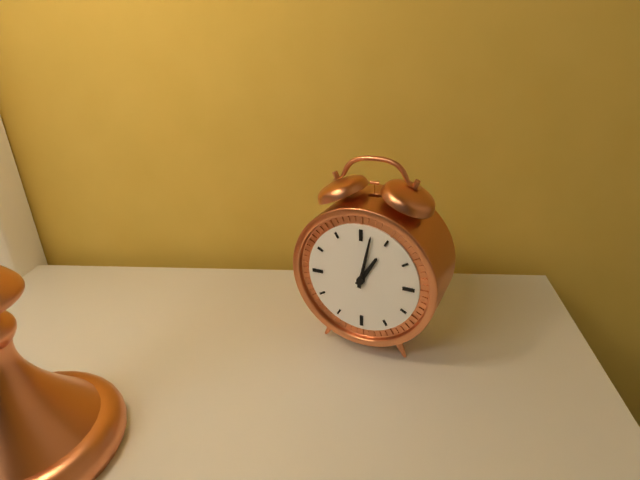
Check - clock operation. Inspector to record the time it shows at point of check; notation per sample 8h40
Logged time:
1h02
